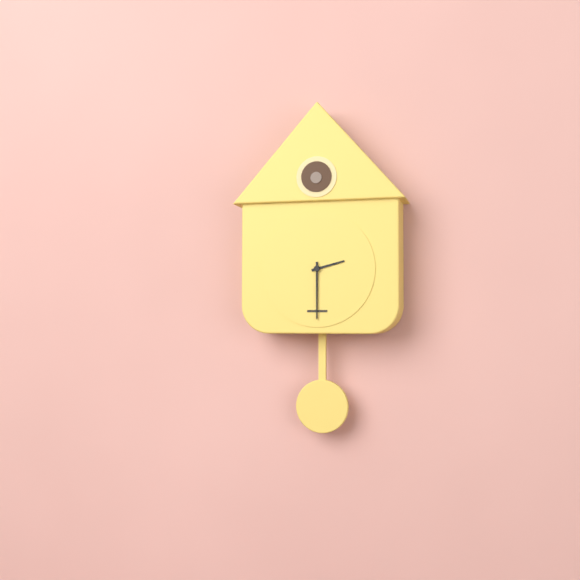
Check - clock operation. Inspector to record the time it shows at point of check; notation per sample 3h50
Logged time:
2h30
